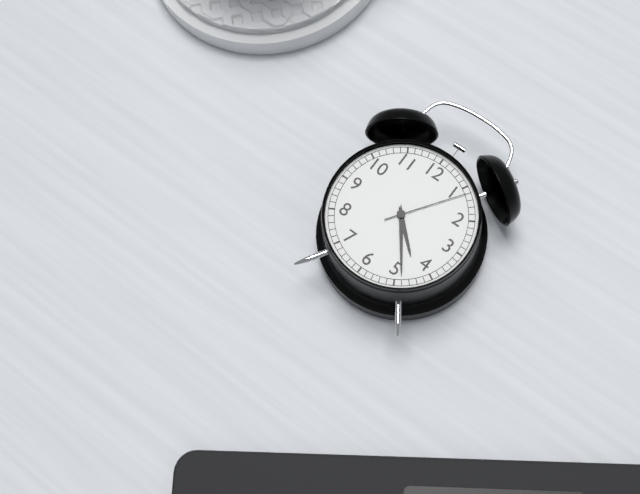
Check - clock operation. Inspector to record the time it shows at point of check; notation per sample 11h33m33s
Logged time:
4h24m06s
